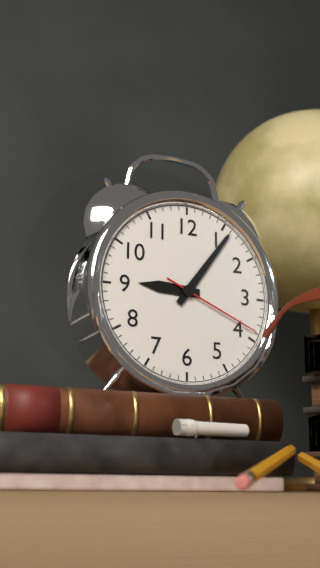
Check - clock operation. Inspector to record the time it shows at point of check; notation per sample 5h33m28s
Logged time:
9h06m19s
